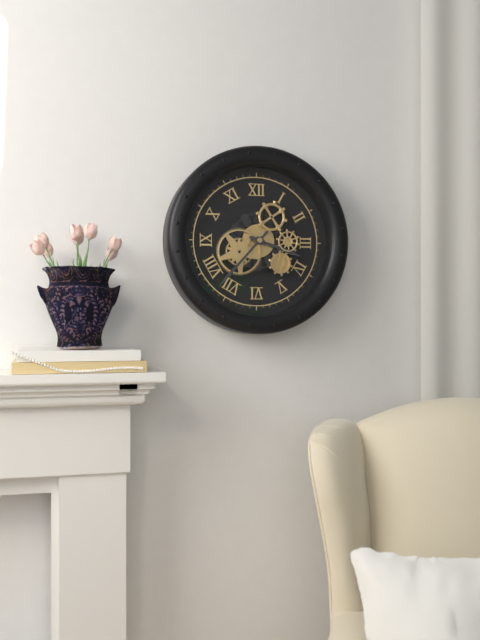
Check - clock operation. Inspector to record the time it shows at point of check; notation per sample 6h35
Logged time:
3h37
